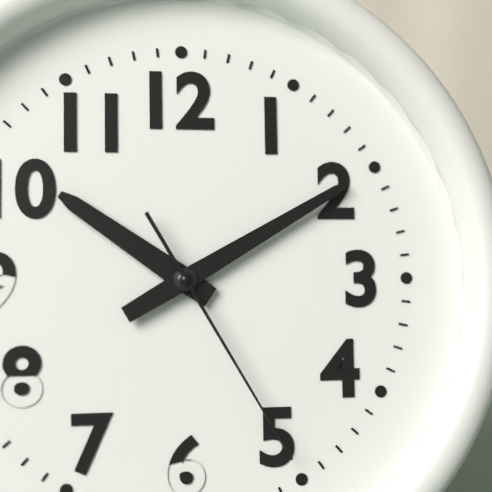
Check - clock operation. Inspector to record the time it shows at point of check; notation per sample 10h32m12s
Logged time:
10h10m25s
